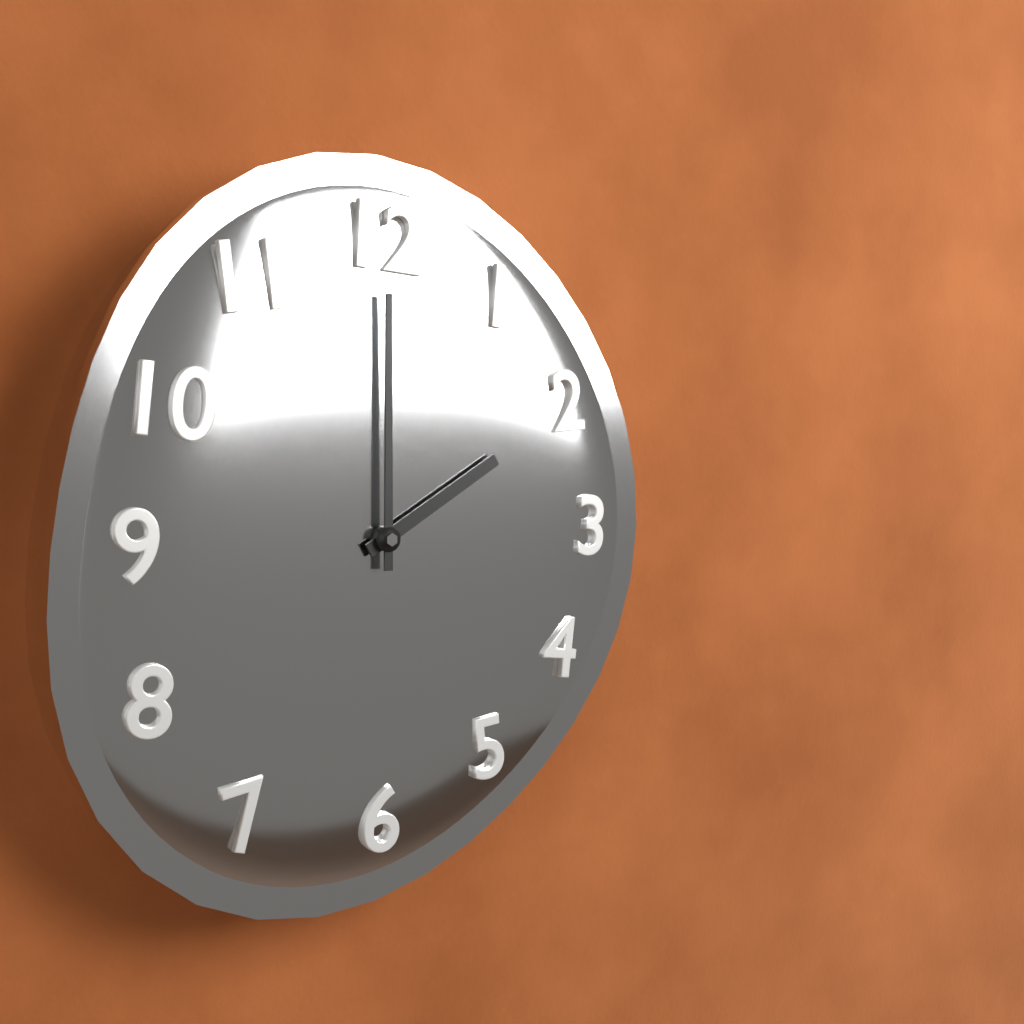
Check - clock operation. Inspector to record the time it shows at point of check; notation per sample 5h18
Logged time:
2h00
